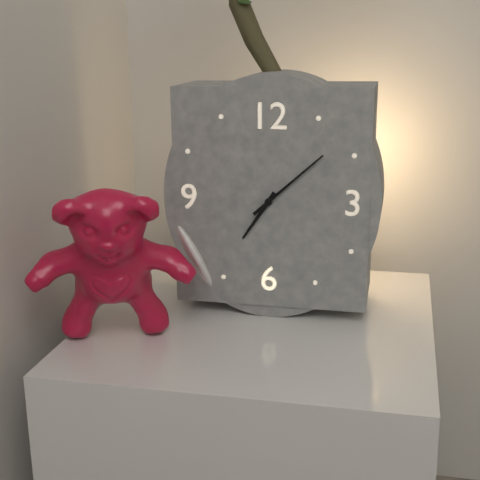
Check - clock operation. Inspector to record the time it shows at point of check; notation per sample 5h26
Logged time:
7h08
